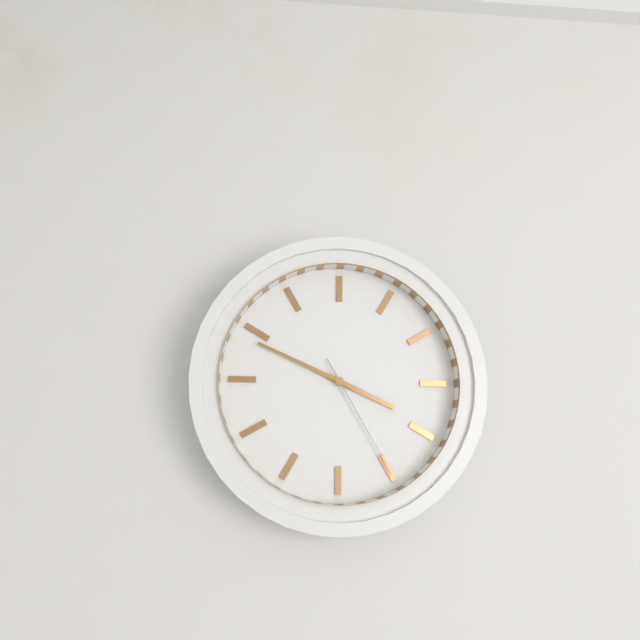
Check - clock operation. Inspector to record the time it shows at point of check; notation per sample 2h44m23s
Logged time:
3h49m25s
